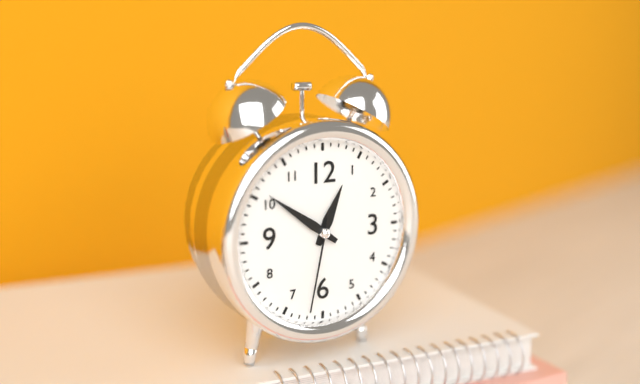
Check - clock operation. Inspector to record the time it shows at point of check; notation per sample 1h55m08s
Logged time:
12h51m32s
